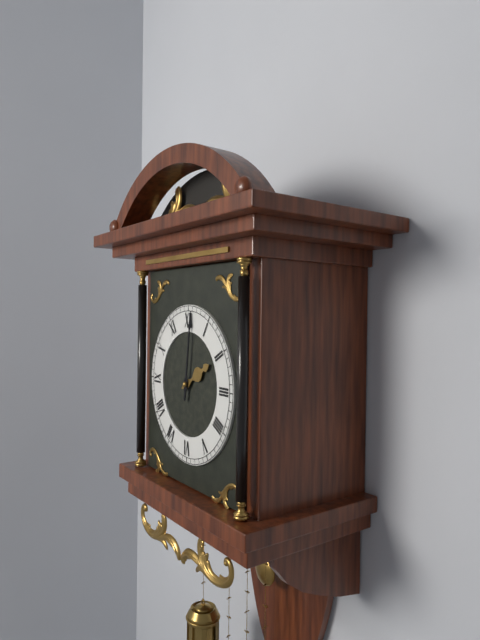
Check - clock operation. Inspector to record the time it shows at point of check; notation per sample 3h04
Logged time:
2h01
